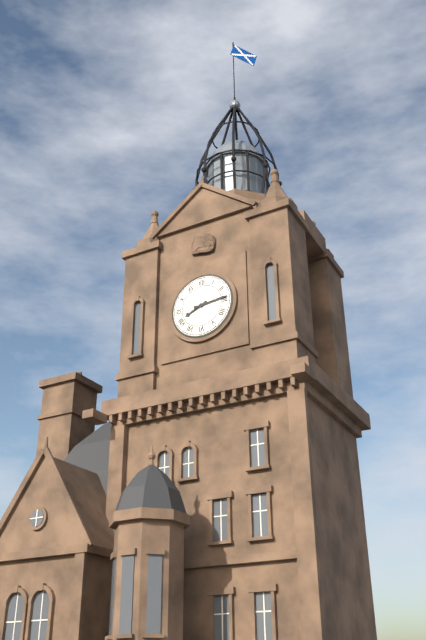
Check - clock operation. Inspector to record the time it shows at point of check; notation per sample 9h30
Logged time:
8h14
